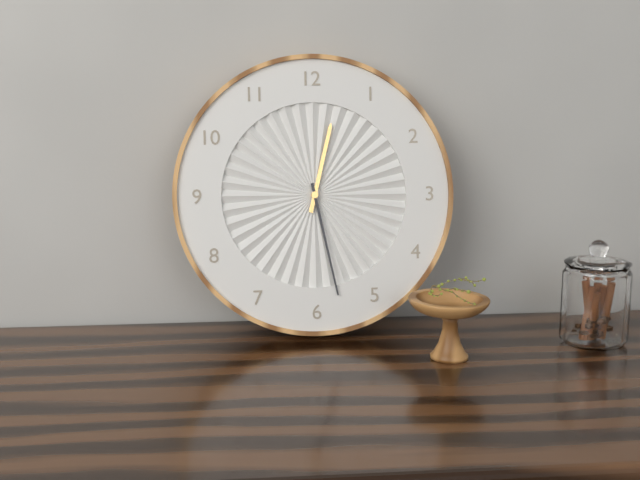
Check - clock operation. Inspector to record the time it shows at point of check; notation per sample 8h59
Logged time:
12h28
